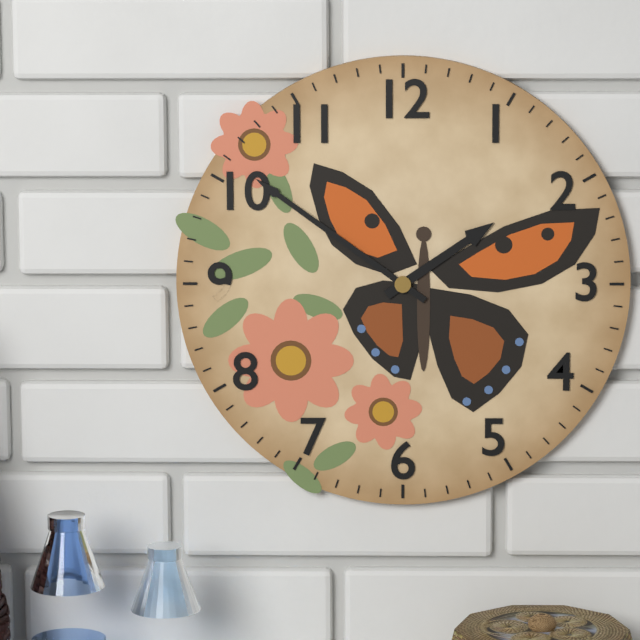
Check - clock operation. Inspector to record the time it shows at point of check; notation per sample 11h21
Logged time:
1h51
